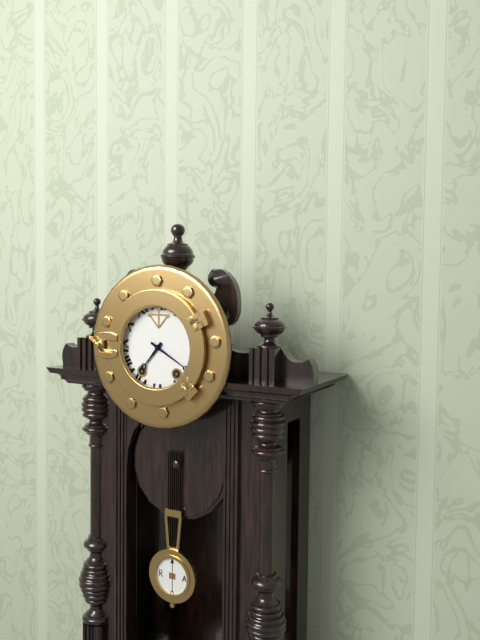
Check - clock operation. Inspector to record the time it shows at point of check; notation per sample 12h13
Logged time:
7h20
